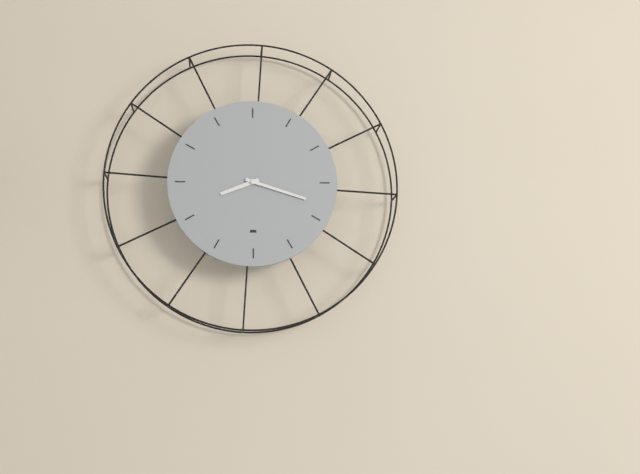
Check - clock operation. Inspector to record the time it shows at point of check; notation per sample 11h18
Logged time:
8h18
